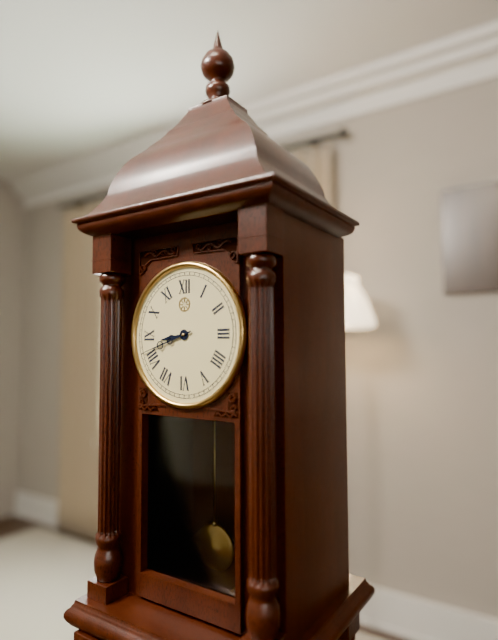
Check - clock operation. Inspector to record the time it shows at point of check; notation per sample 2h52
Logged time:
8h42
